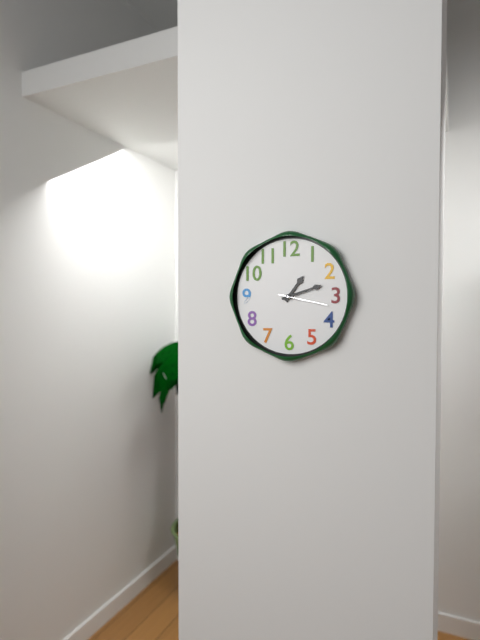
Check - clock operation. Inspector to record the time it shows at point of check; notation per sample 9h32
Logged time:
1h12
